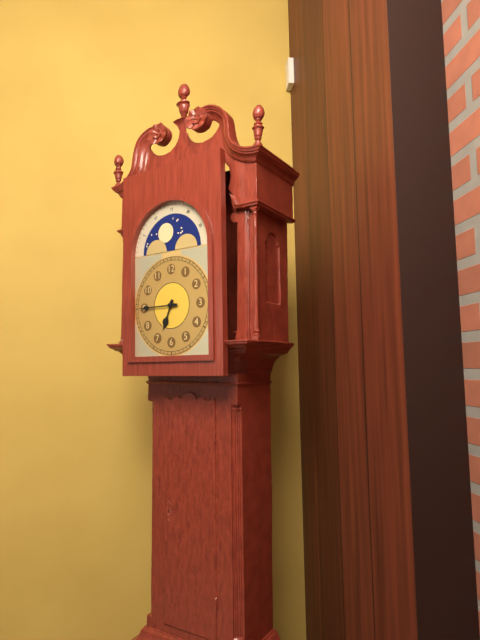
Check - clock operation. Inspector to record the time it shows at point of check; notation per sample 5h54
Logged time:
6h45
